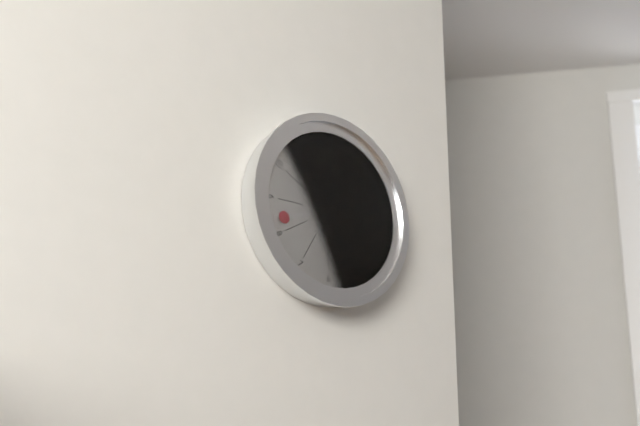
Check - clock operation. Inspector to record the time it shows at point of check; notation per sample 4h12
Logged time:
1h00
